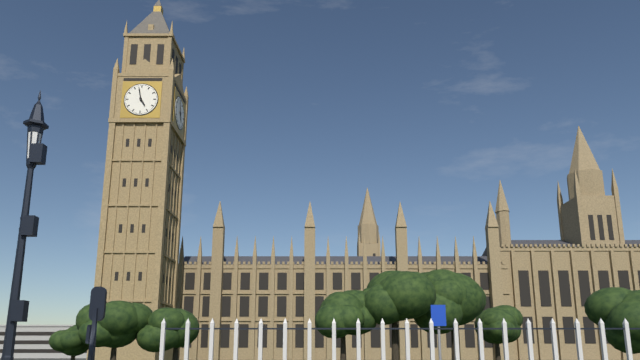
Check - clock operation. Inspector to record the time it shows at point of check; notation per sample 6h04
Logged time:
4h58
